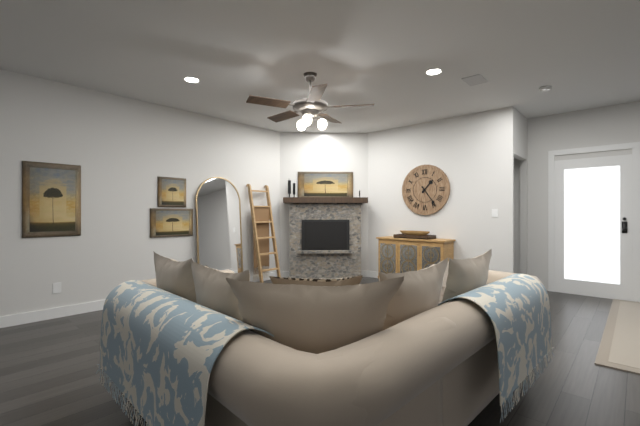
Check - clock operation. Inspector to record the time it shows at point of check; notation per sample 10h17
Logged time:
1h24
